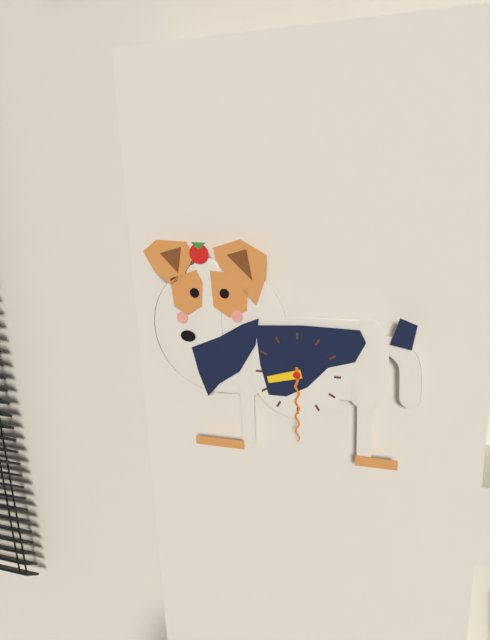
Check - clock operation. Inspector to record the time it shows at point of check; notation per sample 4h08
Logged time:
8h30
